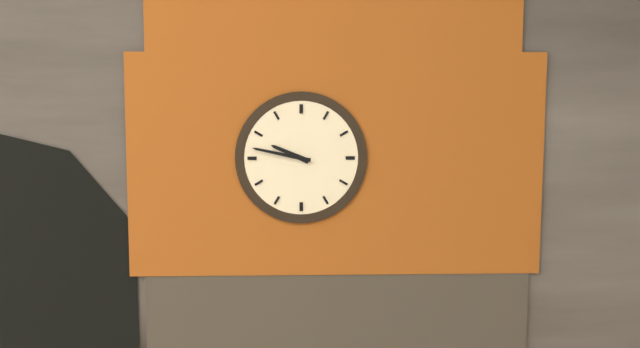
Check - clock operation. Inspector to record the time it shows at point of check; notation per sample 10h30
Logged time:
9h47
